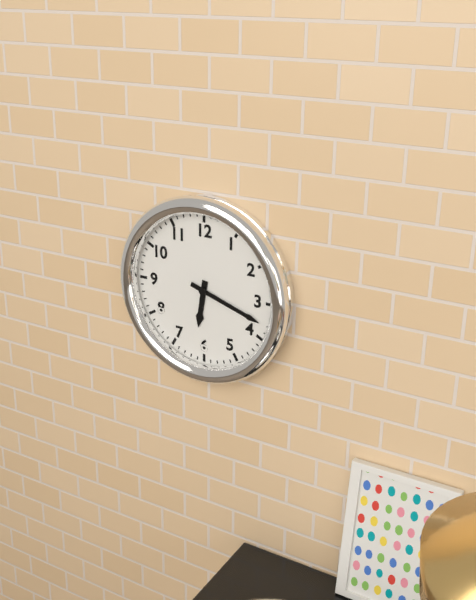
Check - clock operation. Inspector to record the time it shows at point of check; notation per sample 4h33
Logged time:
6h18
